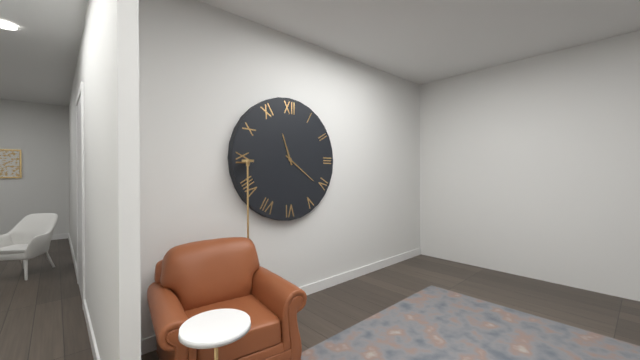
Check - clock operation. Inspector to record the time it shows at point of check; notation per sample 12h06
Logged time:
11h21
